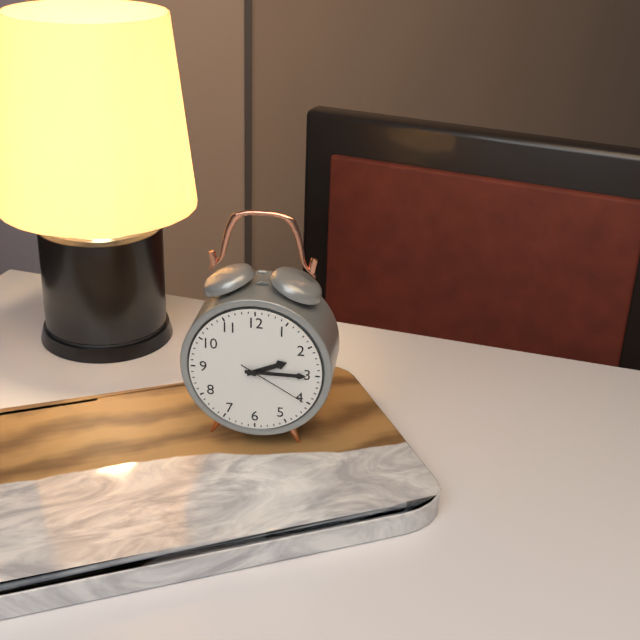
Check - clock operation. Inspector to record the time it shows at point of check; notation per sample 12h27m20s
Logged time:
2h15m20s
